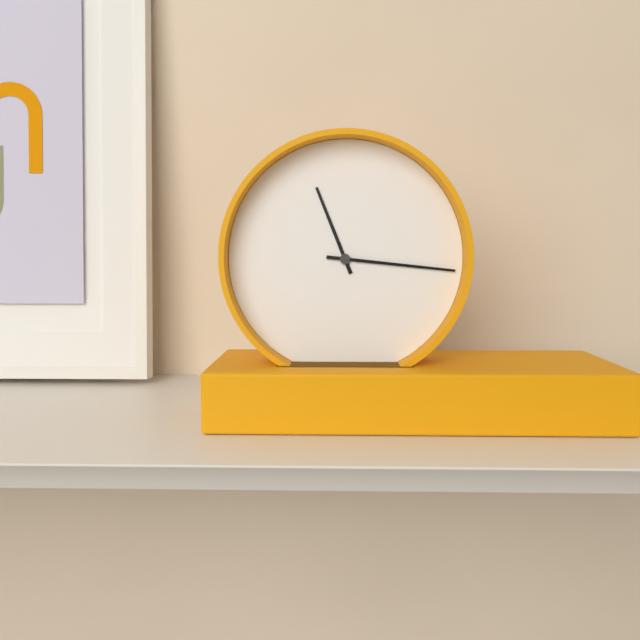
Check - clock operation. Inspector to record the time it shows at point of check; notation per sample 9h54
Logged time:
11h16
